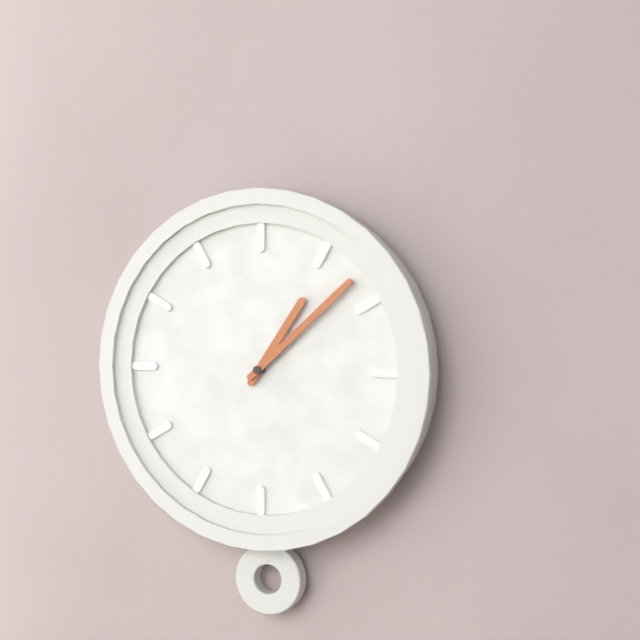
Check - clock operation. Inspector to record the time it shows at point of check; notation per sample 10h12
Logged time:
1h08
